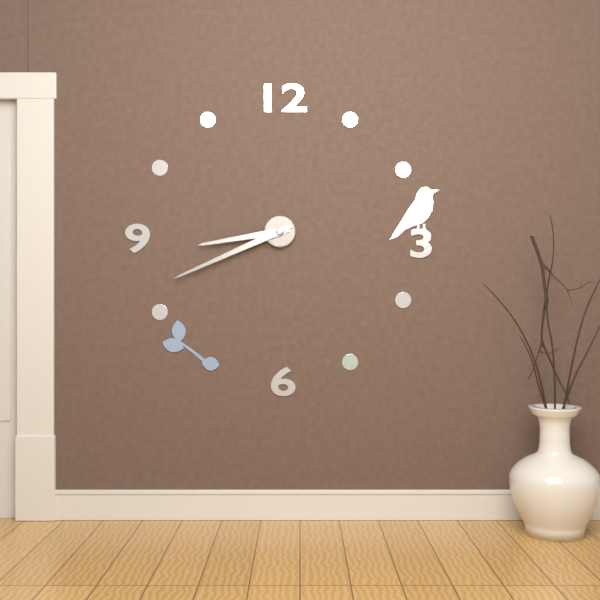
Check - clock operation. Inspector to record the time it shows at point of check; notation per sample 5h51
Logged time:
8h41
